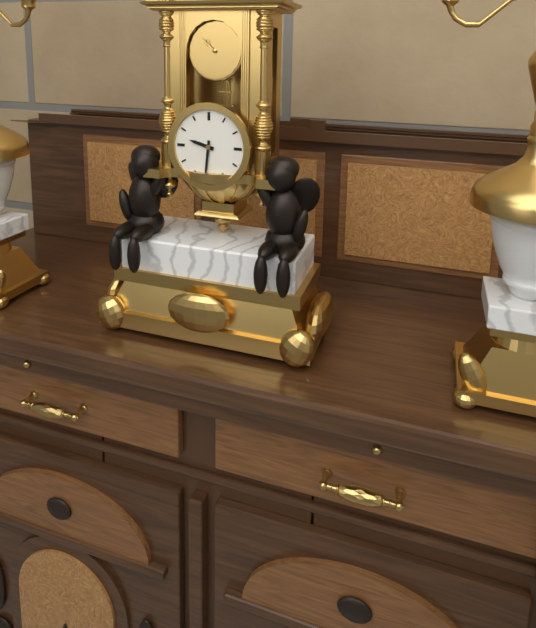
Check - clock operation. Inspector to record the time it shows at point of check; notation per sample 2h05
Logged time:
9h31
